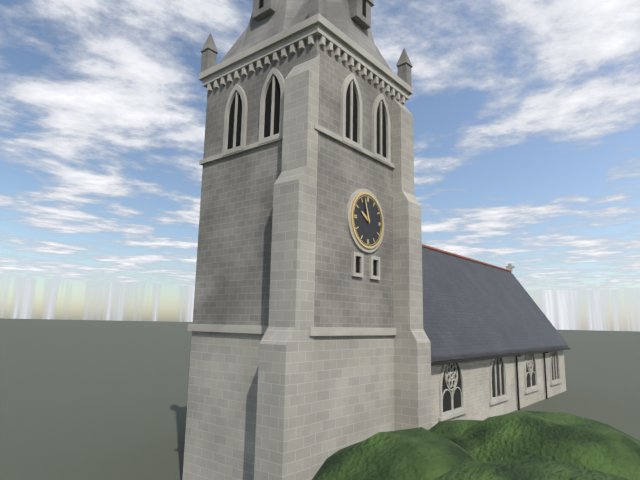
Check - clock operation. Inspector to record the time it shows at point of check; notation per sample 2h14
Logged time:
9h57
